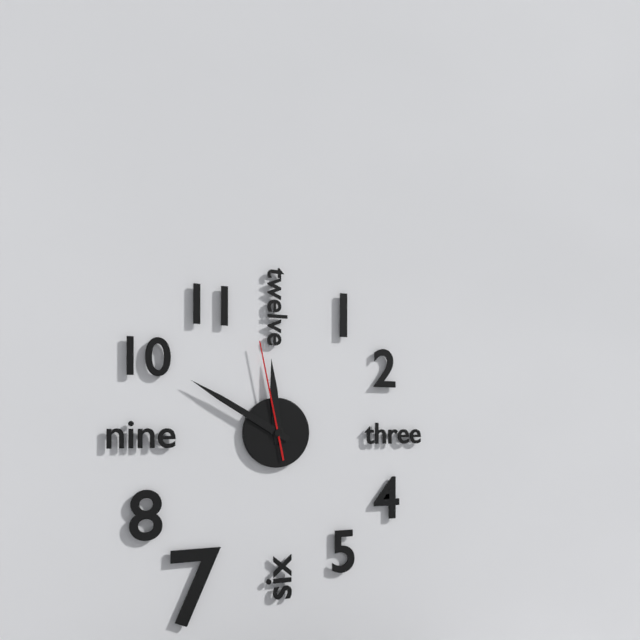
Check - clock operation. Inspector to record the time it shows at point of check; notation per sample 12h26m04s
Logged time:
11h50m58s
